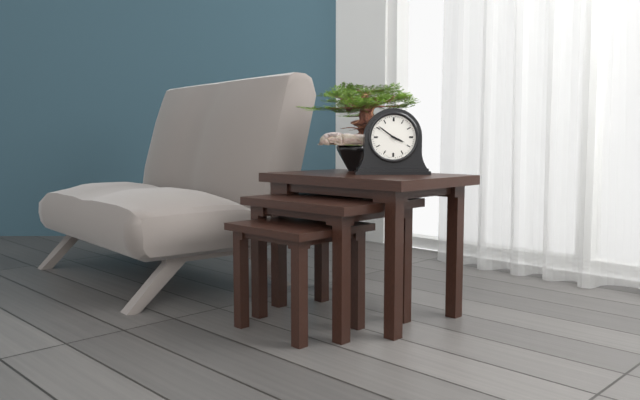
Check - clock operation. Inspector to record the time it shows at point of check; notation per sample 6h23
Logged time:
3h51
